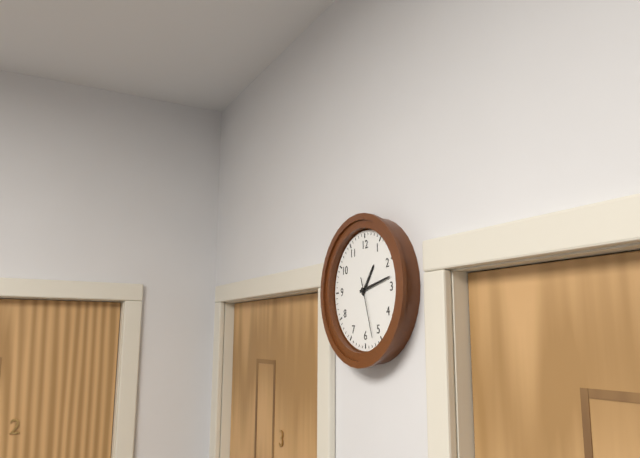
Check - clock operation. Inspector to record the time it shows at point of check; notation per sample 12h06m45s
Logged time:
1h13m27s
